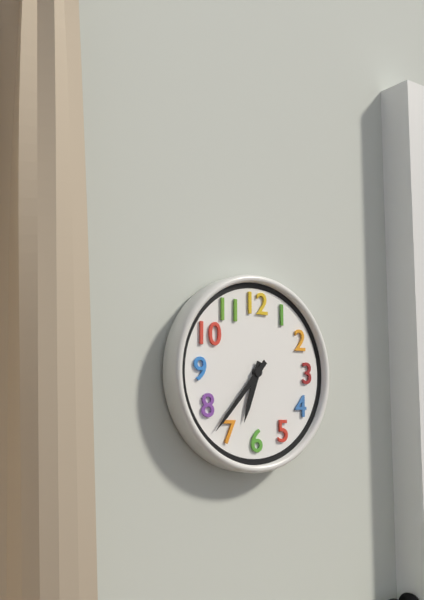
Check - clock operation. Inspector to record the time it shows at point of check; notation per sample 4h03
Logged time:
6h37
